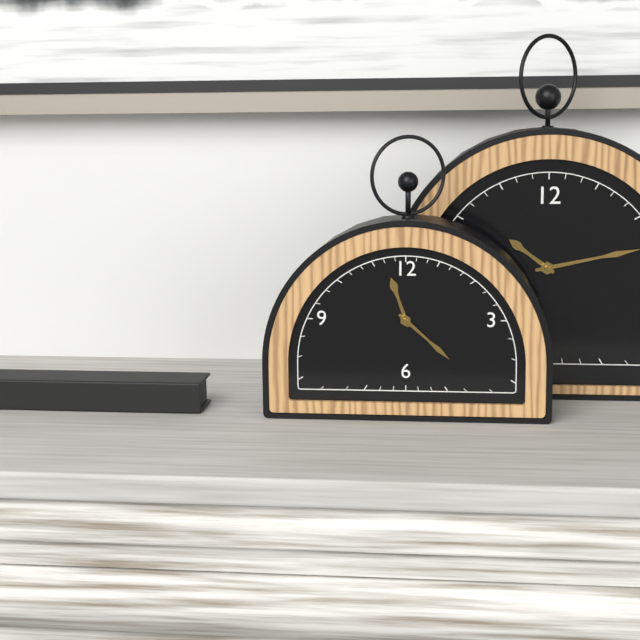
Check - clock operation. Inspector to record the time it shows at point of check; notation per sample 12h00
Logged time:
11h22
